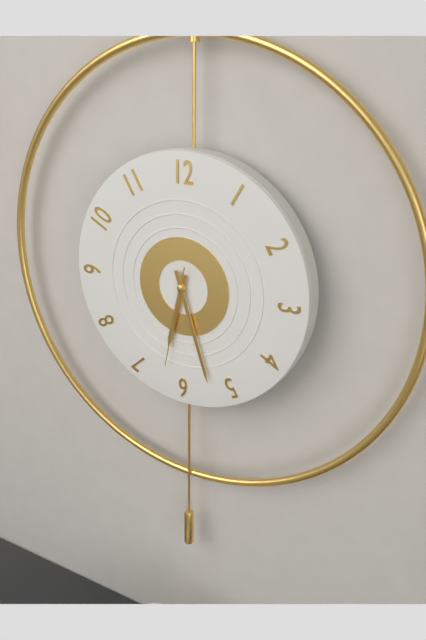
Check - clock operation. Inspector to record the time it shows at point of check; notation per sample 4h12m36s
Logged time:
6h27m32s
